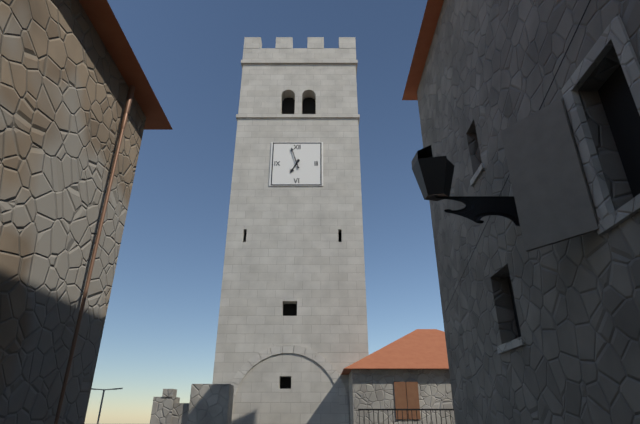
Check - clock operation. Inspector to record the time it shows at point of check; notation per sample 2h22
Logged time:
6h57
